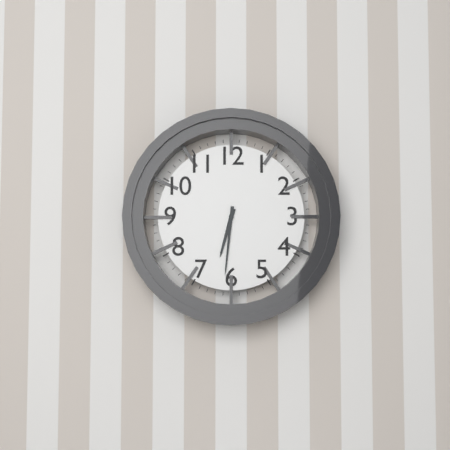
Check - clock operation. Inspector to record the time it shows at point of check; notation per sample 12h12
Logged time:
6h31
